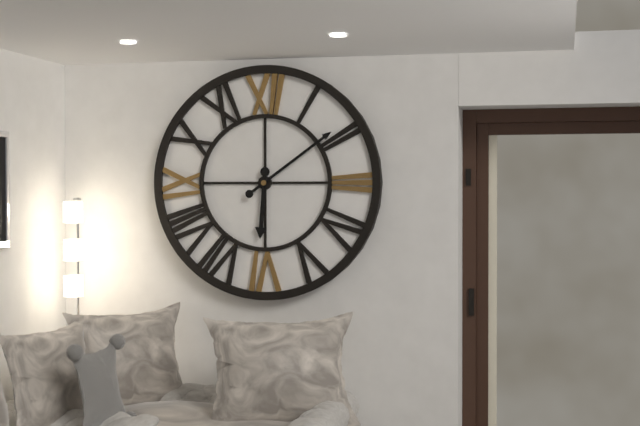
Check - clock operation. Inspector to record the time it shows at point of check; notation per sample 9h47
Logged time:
6h09
